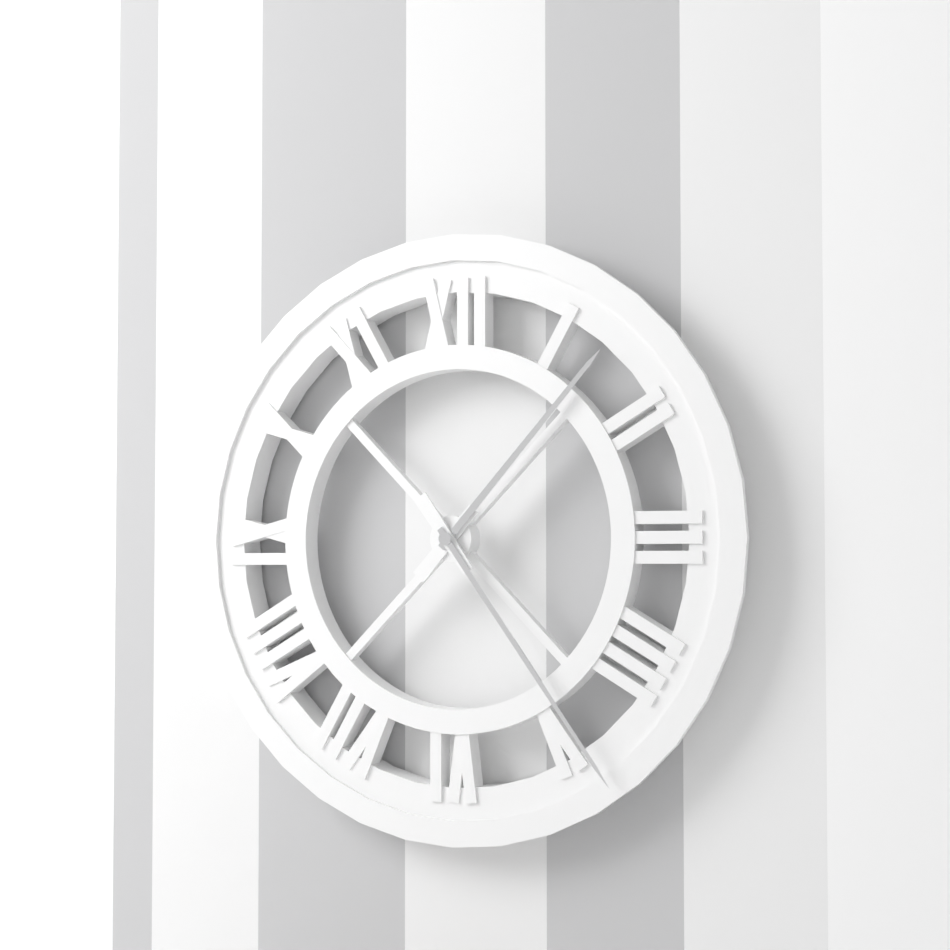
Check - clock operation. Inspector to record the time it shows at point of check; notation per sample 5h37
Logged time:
1h24
